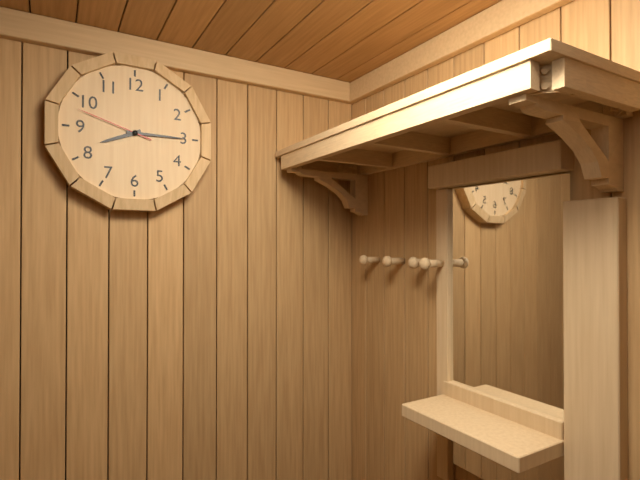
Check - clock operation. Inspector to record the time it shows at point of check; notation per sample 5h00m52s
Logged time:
8h15m48s
